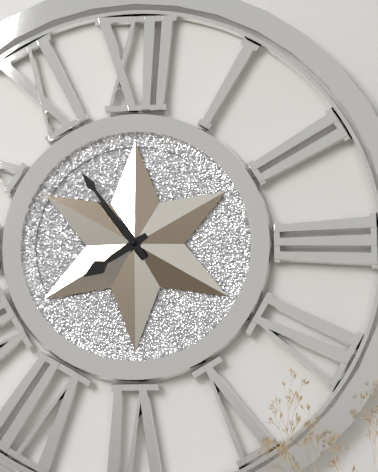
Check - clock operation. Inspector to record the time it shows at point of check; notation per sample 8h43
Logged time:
7h54
